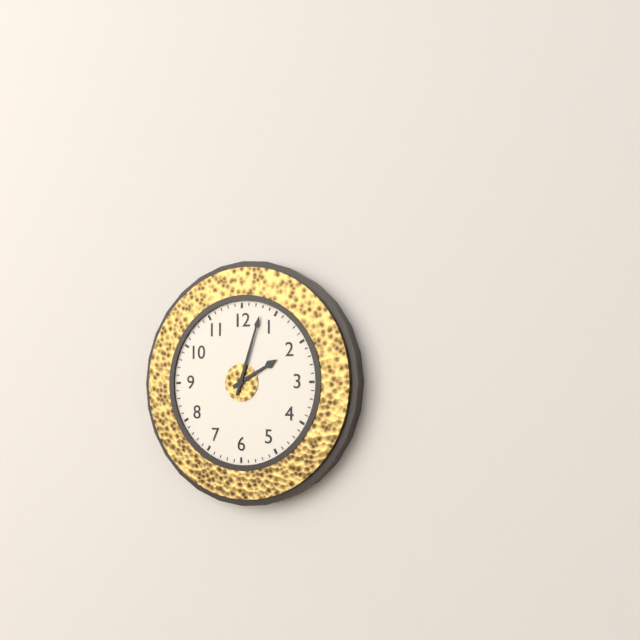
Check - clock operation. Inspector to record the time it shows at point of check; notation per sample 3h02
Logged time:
2h03
